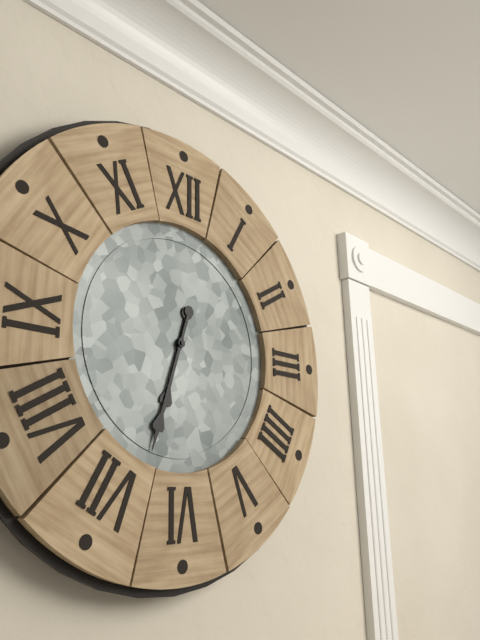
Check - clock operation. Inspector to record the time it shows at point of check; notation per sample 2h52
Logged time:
6h33
